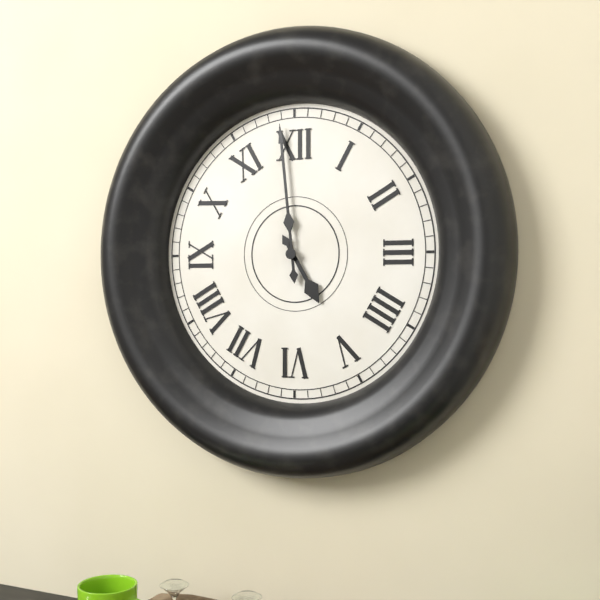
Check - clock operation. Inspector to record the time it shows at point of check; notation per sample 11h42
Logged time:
4h59
